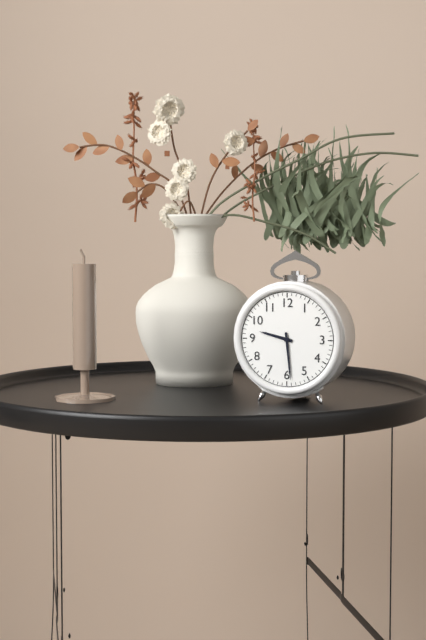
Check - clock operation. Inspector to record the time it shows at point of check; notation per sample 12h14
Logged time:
9h29
